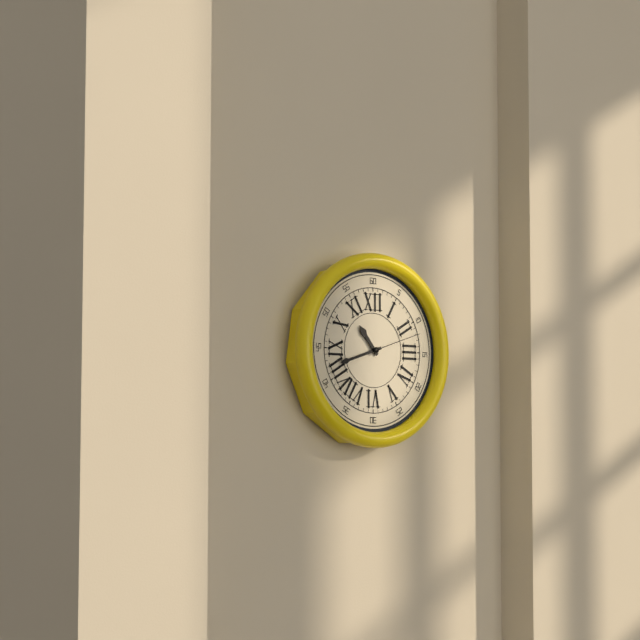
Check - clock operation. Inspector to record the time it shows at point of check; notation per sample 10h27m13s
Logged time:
10h42m12s
